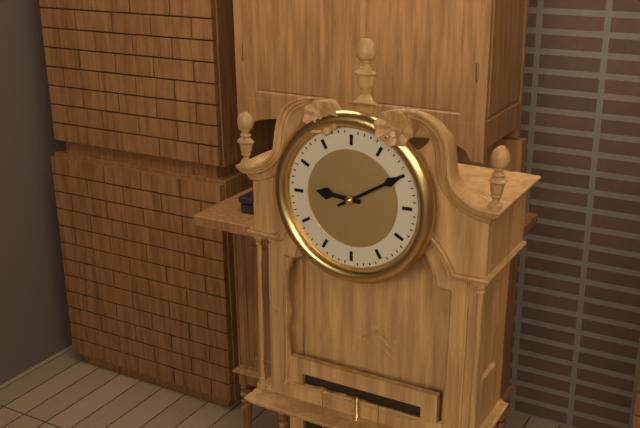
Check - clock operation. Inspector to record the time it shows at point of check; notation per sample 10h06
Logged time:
9h10
